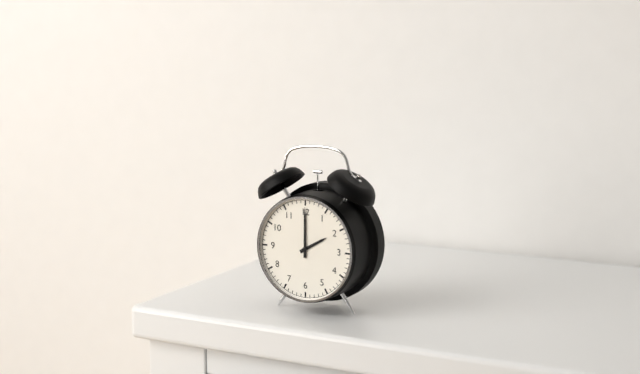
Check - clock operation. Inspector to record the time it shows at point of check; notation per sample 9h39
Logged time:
2h00
